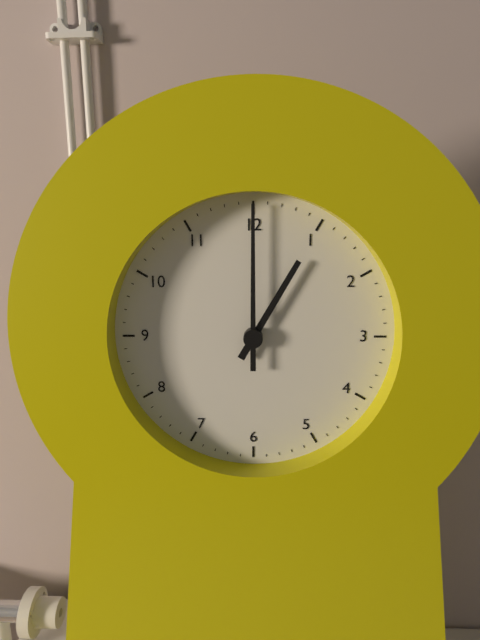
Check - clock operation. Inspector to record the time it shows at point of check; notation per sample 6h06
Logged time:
1h00
